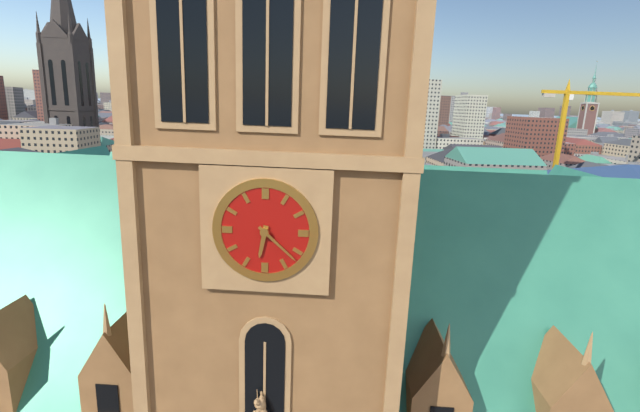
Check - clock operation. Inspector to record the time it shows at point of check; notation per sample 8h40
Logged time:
6h22
